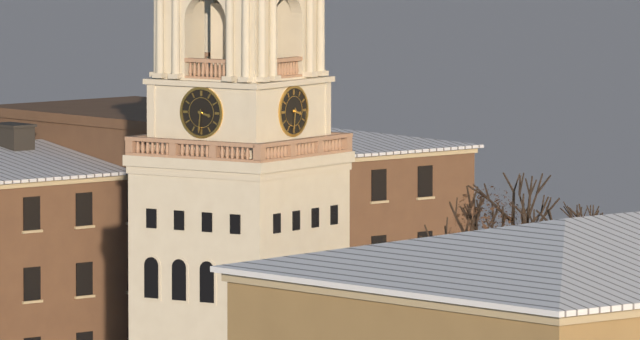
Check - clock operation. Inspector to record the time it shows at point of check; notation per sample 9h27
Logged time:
3h31
